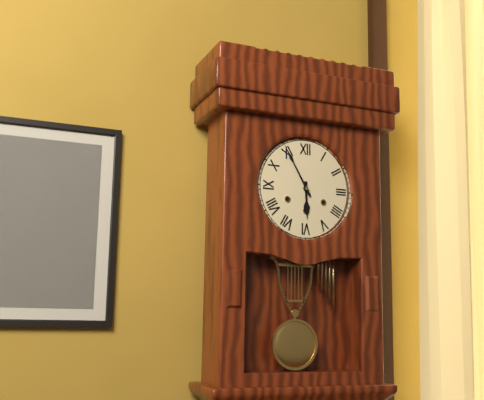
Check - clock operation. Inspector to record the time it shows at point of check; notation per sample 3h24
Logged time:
5h55
